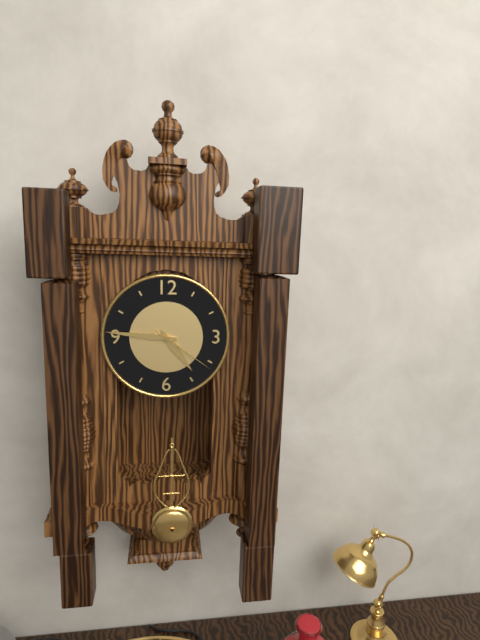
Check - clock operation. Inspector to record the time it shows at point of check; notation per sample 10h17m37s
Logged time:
4h46m21s
